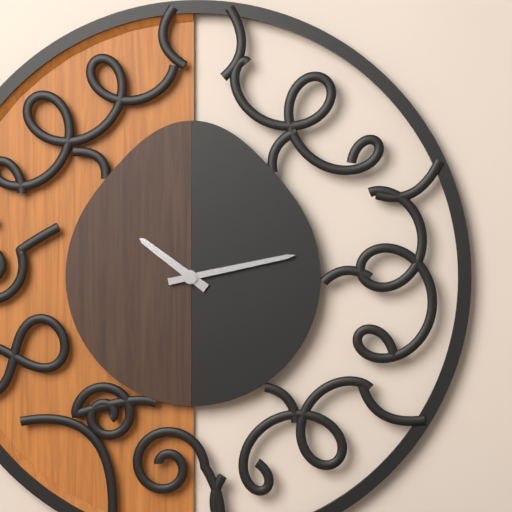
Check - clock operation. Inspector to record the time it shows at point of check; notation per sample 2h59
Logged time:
10h13
